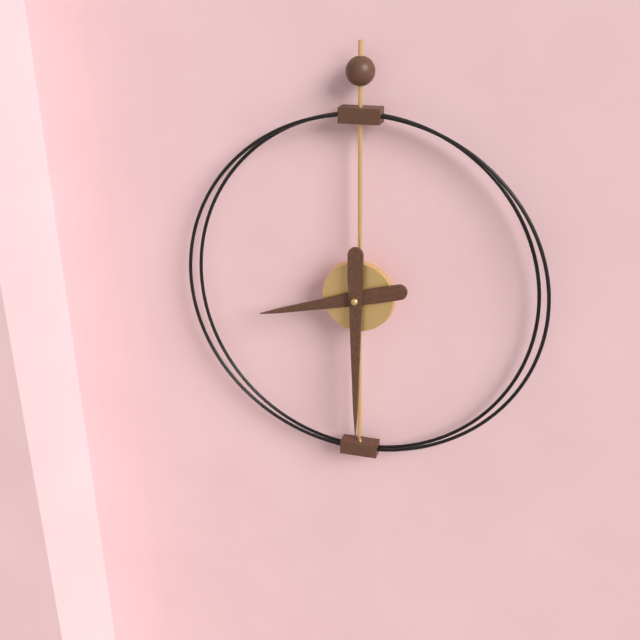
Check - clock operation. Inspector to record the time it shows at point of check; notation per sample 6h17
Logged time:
8h30
